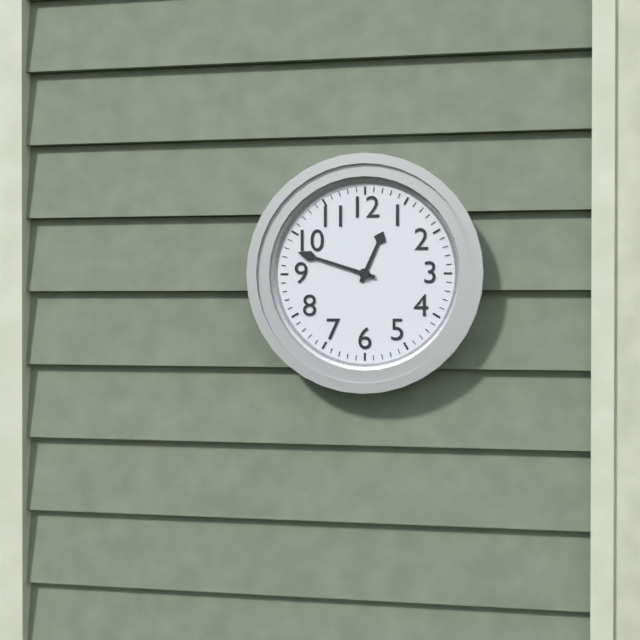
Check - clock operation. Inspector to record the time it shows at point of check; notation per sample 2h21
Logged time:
12h48
